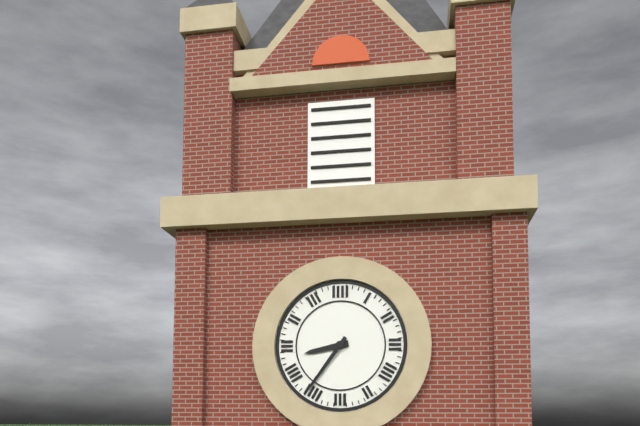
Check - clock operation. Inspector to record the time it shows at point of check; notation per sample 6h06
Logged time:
8h36
